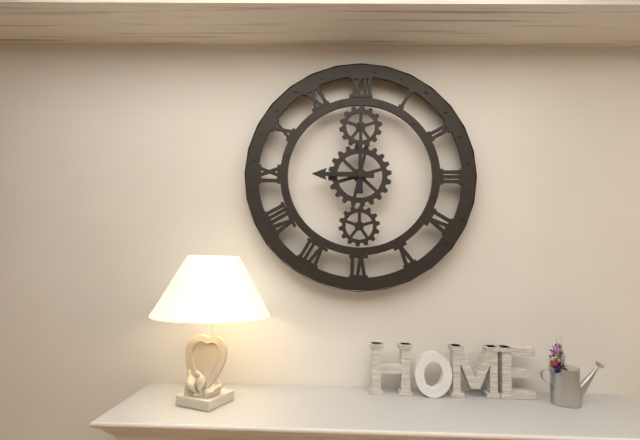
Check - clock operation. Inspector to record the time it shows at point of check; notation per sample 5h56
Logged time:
9h00
